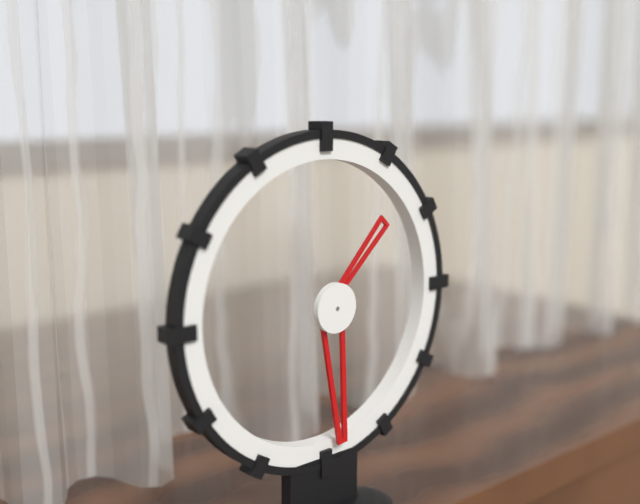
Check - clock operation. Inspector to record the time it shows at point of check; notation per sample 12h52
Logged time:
1h29
